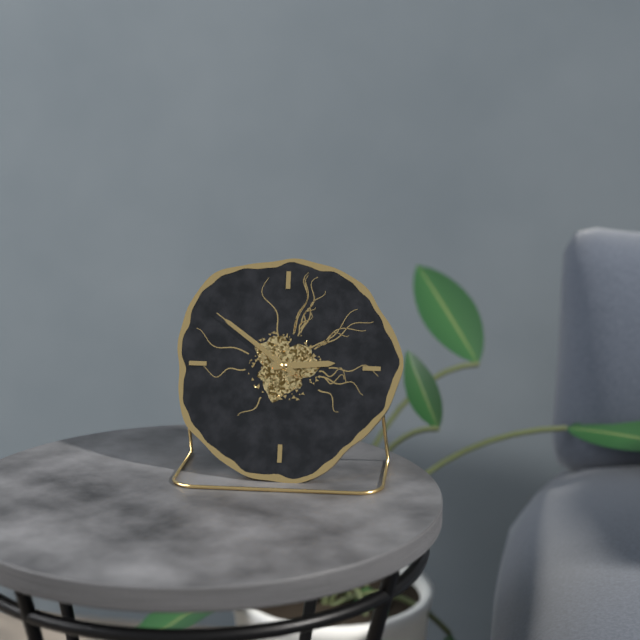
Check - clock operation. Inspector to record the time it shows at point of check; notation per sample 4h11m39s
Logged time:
2h51m51s
